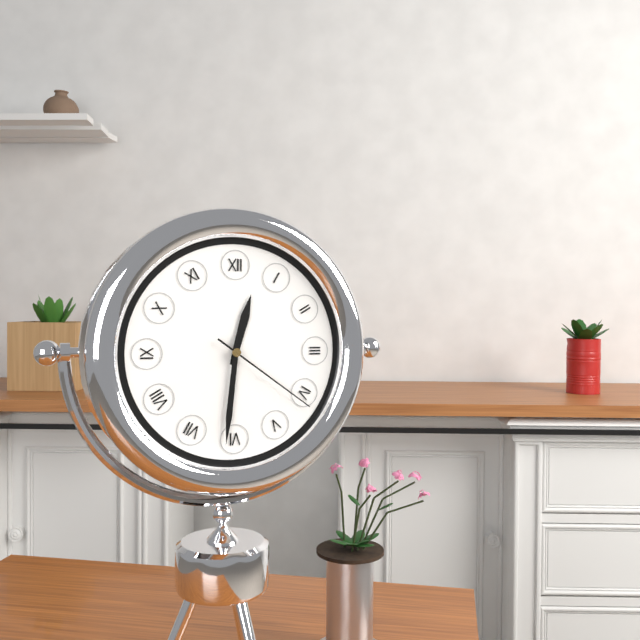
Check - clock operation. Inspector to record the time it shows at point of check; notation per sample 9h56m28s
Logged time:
12h31m21s
